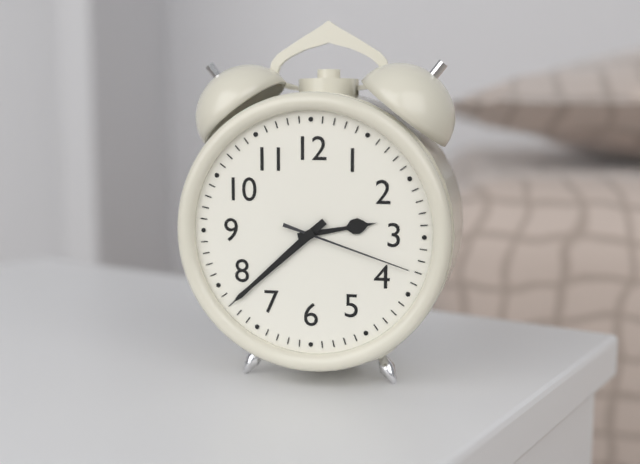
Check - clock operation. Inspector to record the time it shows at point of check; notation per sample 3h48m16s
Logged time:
2h38m18s
